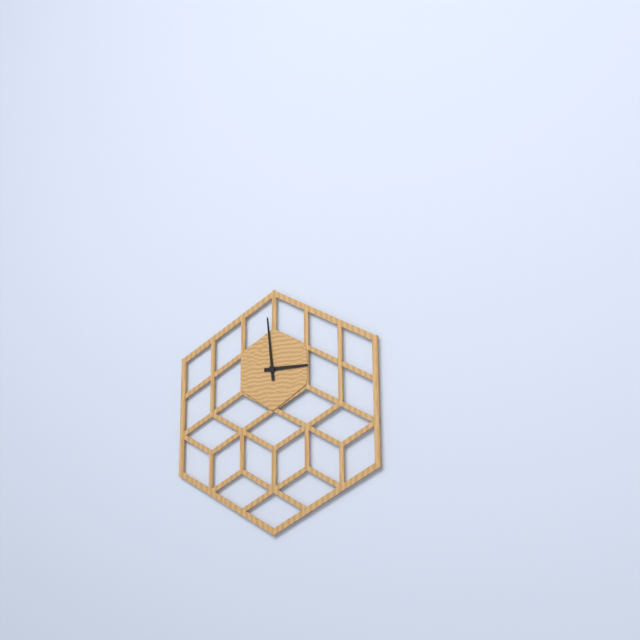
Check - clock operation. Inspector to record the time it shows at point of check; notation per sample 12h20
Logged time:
2h59
